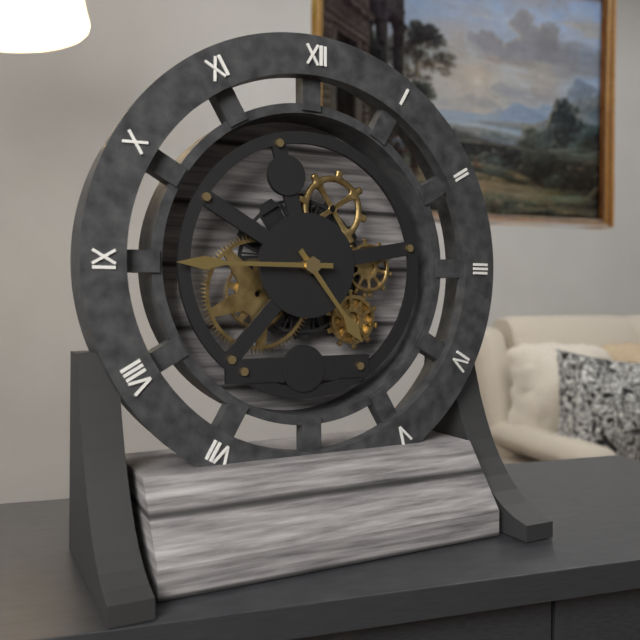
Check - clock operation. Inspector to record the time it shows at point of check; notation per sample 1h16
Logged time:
4h45
